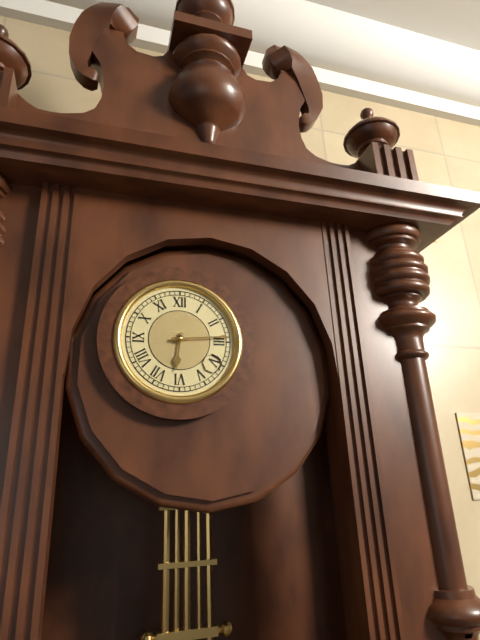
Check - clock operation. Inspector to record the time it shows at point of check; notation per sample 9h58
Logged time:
6h14
